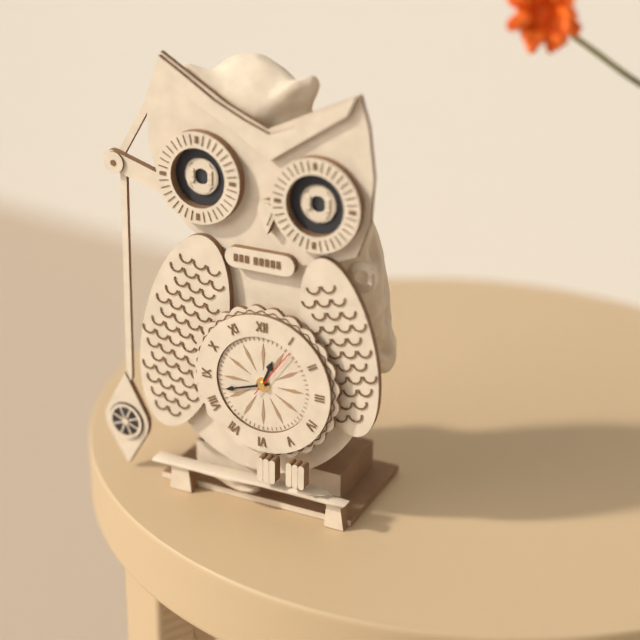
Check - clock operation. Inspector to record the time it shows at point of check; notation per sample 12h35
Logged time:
12h42
